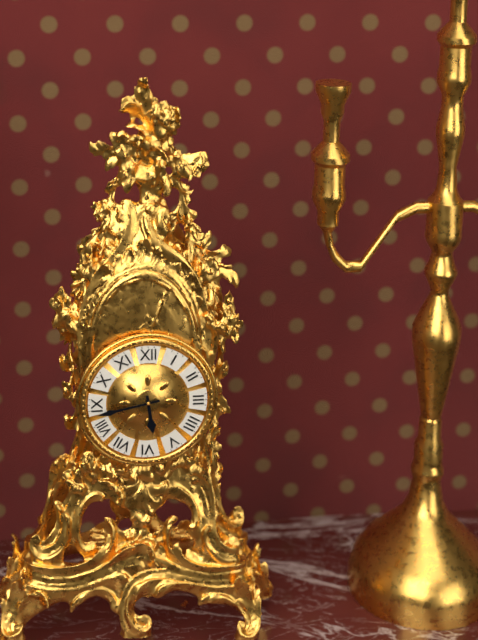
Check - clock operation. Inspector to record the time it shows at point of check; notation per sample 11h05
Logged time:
5h43
